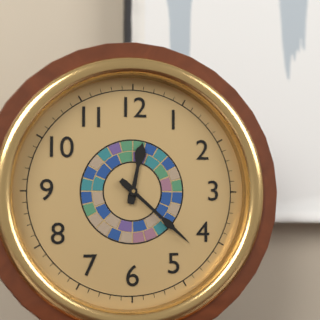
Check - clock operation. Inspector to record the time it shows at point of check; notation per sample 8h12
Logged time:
12h22
